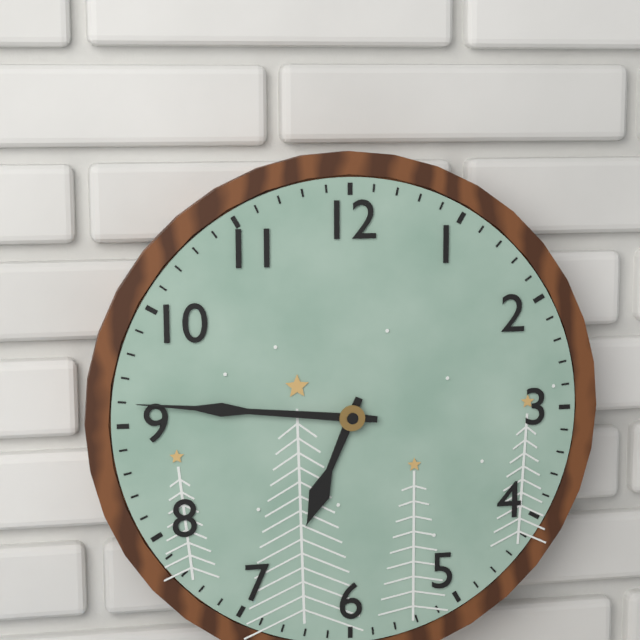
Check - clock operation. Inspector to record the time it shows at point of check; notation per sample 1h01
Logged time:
6h46
